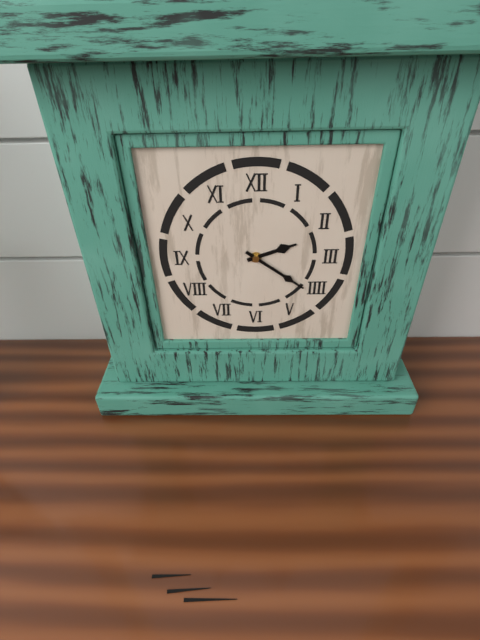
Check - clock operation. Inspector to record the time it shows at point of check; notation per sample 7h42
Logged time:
2h21
